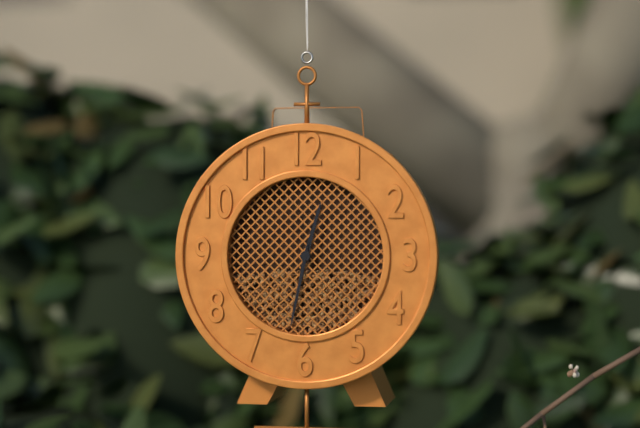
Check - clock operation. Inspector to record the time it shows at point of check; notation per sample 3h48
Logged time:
12h32
